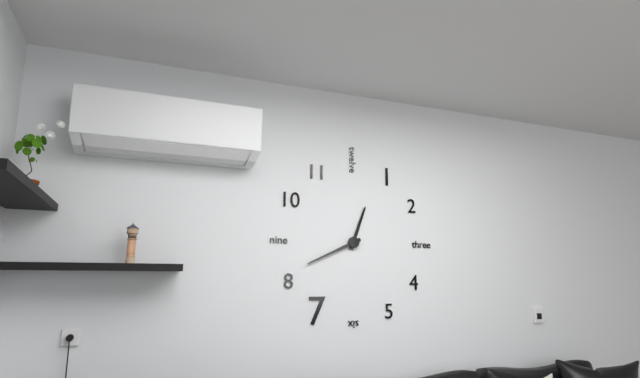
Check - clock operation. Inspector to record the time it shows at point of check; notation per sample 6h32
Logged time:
12h41
